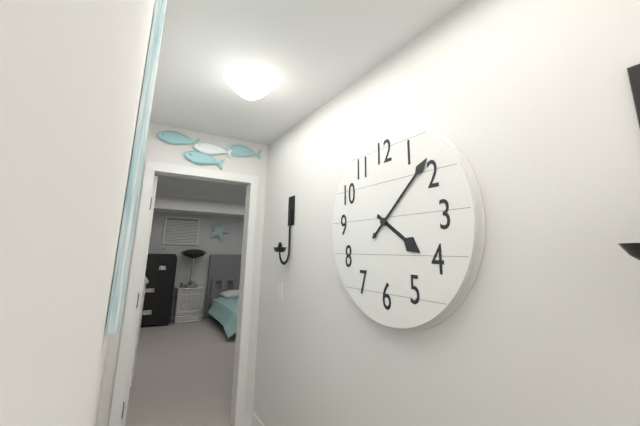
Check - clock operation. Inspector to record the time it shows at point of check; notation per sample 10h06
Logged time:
4h08
